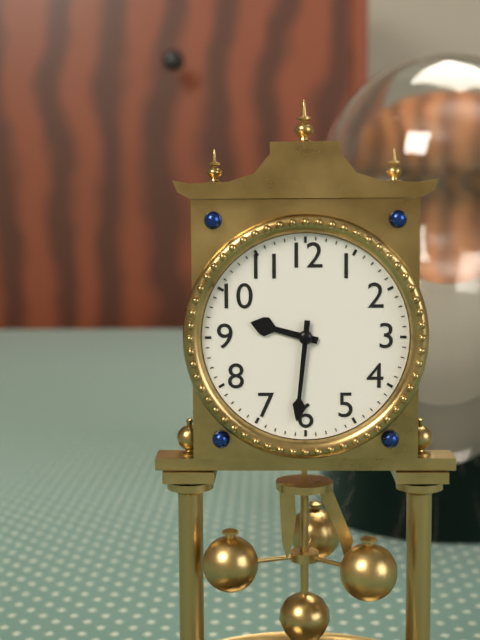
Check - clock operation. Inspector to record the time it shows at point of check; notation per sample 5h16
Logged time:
9h31
